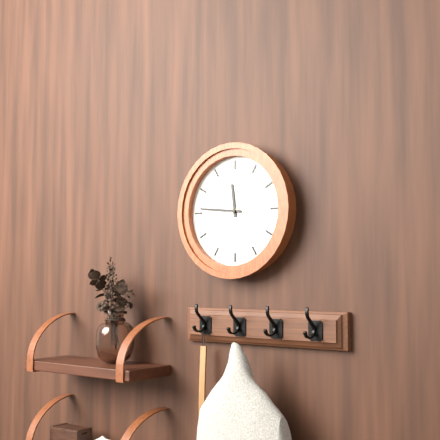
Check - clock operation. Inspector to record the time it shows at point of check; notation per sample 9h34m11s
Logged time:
11h46m41s
